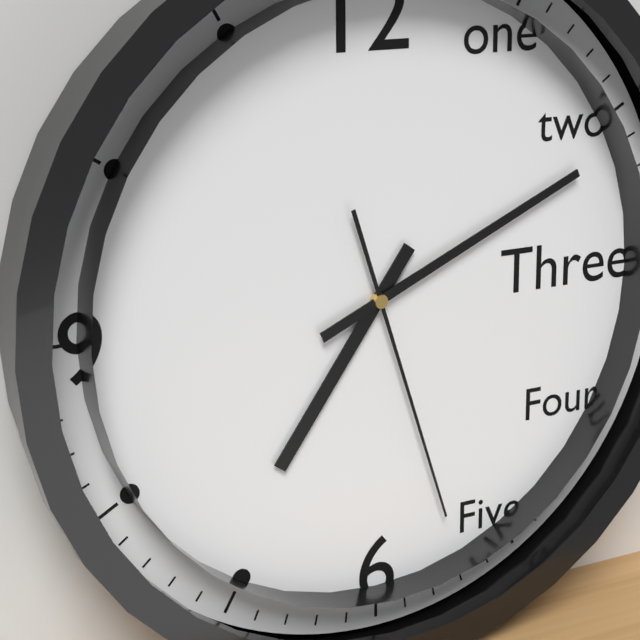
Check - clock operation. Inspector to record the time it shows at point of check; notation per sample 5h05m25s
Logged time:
7h11m27s
